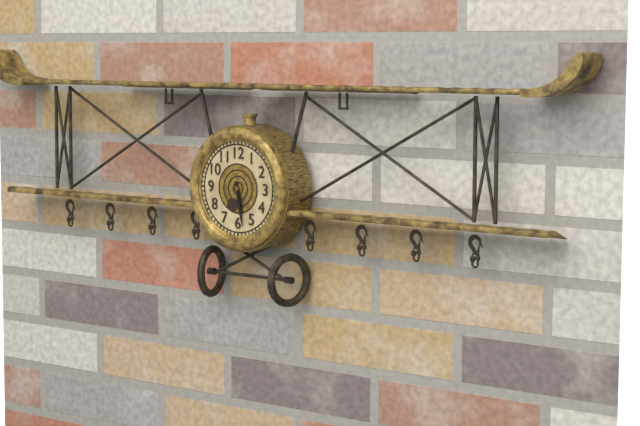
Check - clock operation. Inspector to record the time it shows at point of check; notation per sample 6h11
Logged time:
5h28
